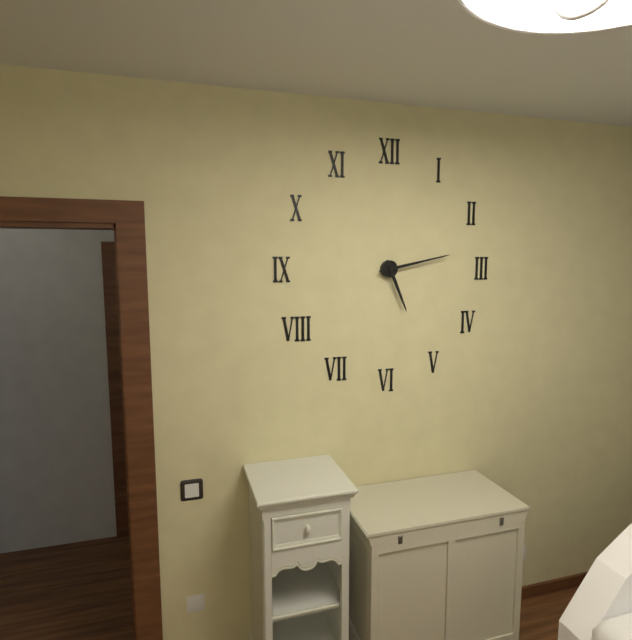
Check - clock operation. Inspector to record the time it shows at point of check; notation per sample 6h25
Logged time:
5h13
